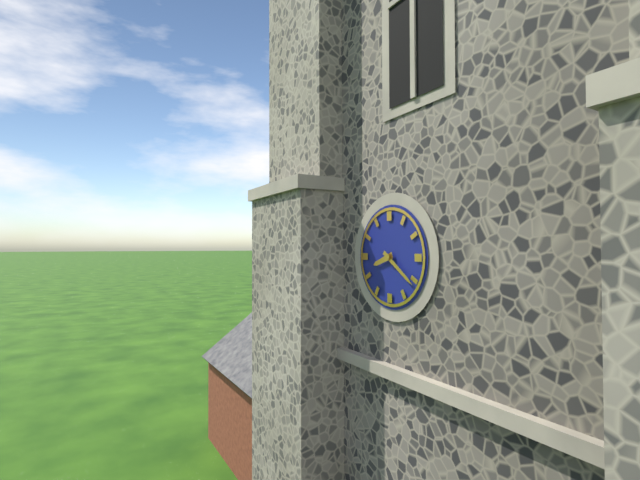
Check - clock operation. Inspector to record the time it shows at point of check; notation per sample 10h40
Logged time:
8h21
